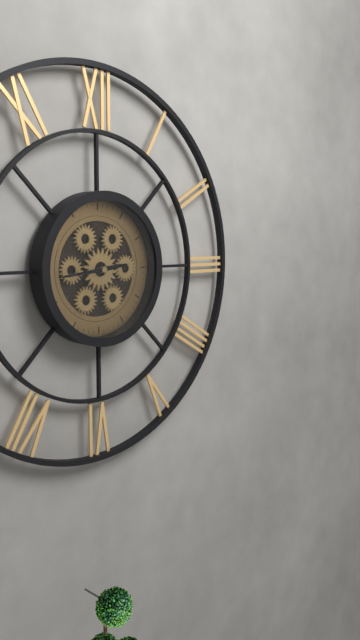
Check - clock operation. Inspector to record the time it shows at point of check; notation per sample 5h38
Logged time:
2h44
